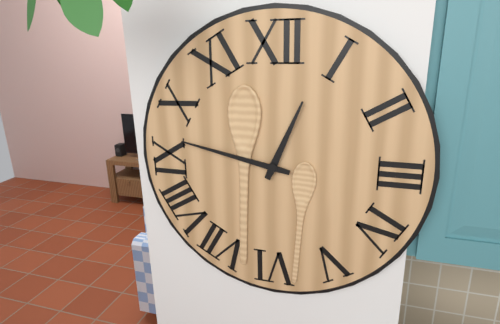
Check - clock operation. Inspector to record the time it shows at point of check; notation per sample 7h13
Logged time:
12h47
